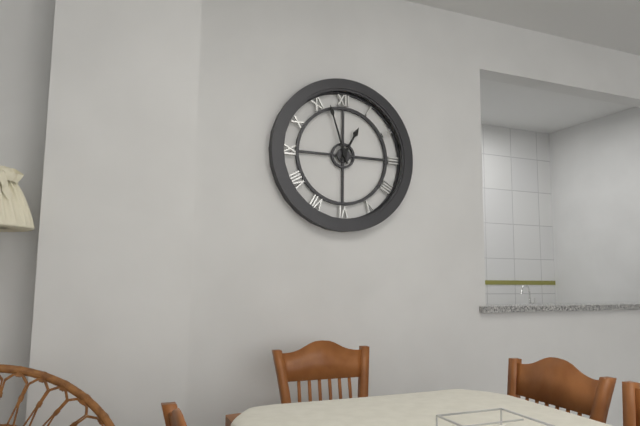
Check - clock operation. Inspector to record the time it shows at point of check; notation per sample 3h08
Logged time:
12h57
